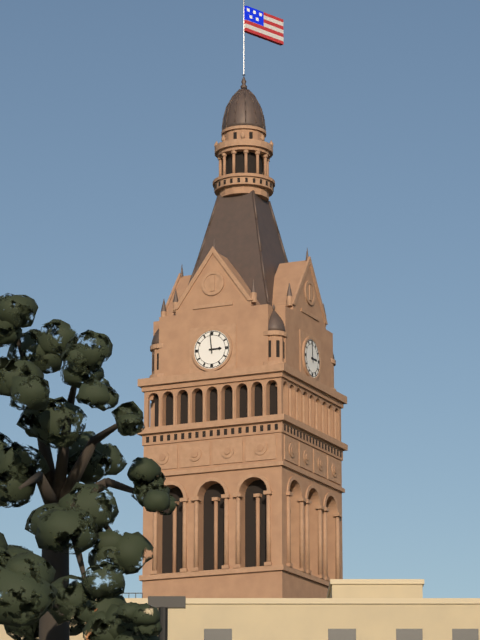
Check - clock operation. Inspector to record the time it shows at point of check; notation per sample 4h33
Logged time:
2h59
